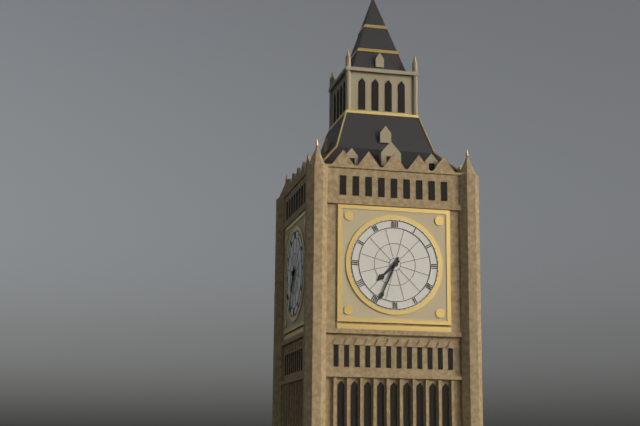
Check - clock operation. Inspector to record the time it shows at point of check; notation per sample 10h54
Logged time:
7h34
